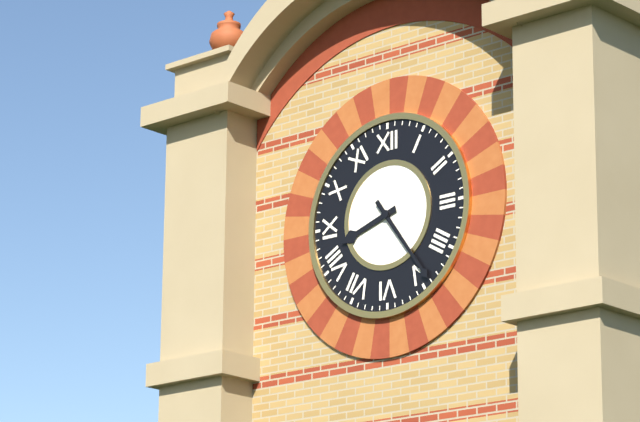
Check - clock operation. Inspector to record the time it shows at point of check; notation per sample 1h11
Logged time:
8h24
